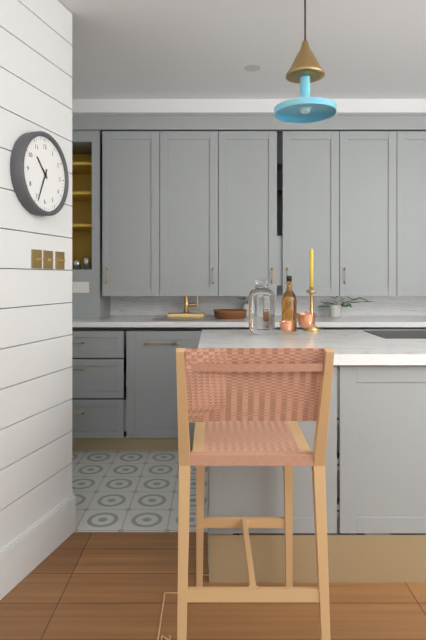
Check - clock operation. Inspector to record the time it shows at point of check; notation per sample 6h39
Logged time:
10h34
